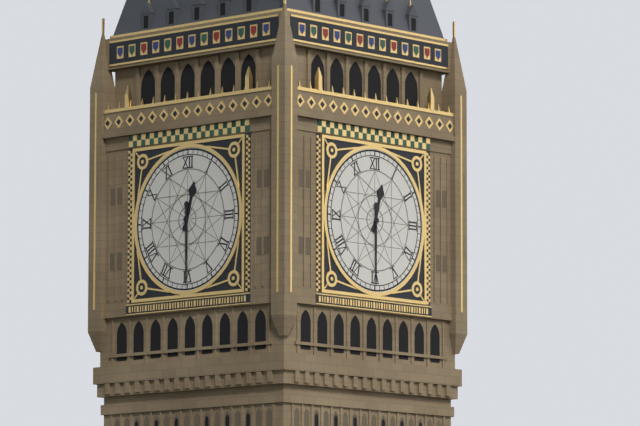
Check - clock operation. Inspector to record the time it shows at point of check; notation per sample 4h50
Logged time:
12h30
